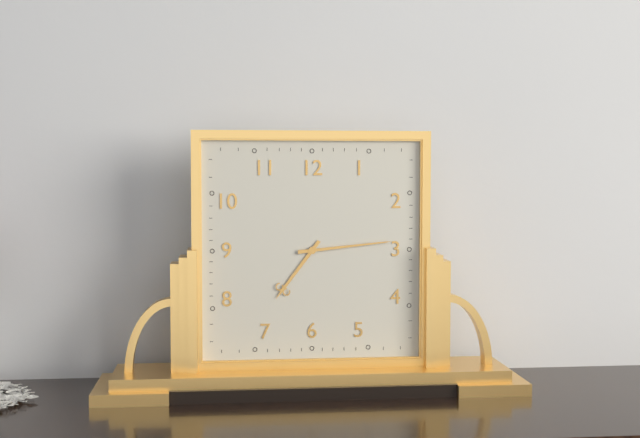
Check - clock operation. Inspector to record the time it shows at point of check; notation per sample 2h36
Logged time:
7h14
